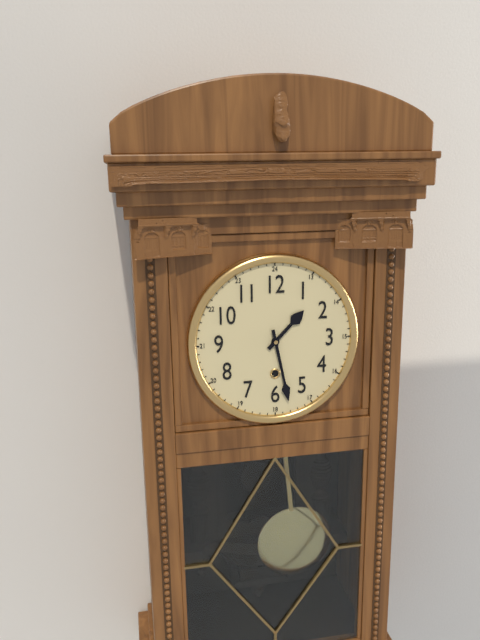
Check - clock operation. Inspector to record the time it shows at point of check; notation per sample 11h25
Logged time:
1h28
